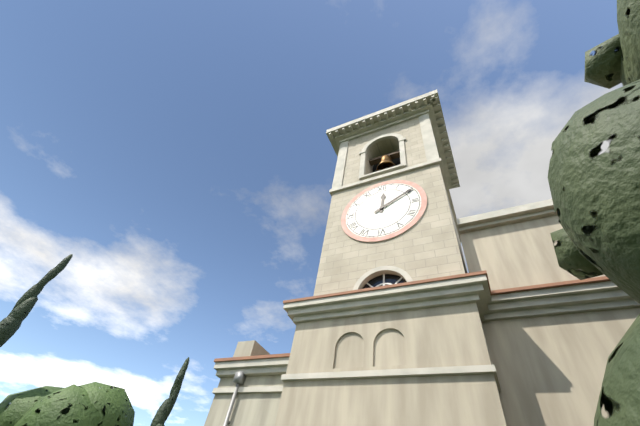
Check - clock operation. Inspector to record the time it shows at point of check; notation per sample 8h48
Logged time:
12h10
